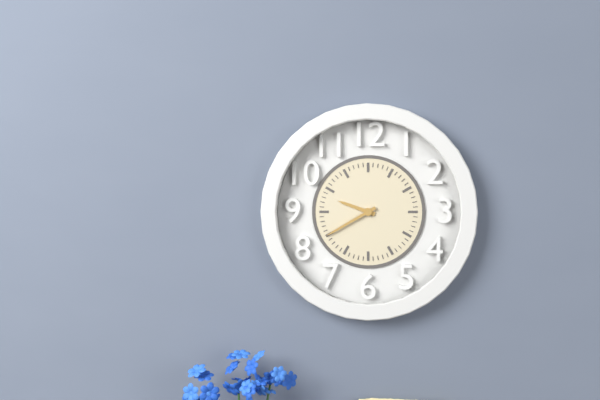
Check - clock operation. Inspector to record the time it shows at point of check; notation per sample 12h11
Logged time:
9h40
